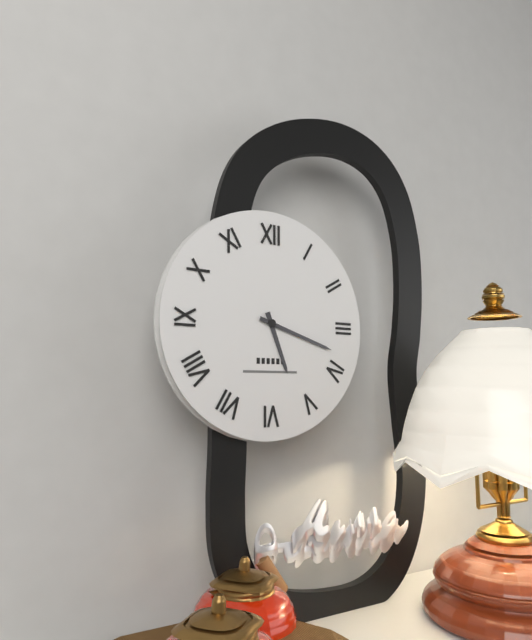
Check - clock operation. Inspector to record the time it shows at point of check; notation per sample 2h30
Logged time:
5h18
